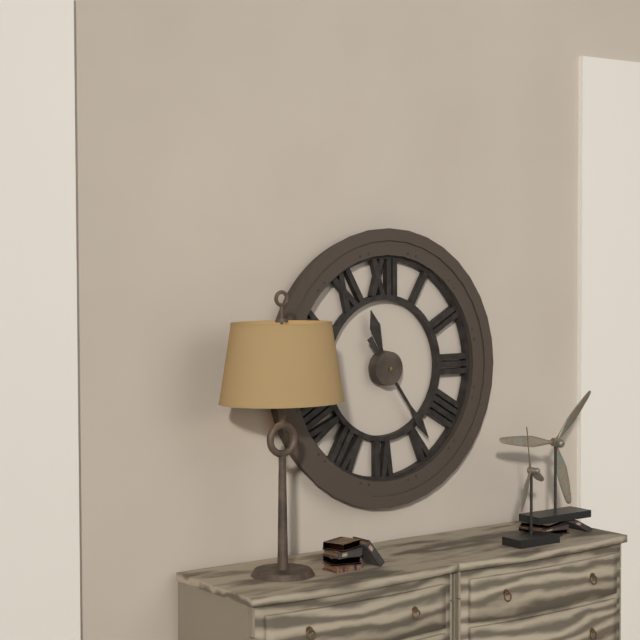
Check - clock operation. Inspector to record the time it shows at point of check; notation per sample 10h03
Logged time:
11h24
